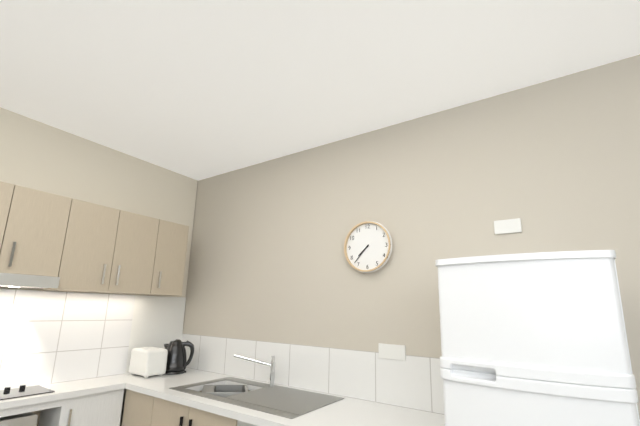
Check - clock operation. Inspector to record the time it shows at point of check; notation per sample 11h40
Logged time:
7h37
